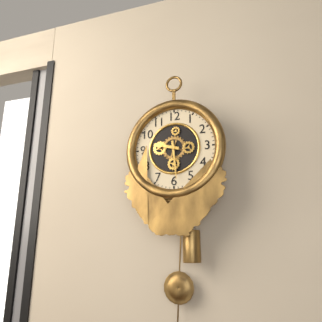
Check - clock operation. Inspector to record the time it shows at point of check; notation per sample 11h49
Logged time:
9h29
